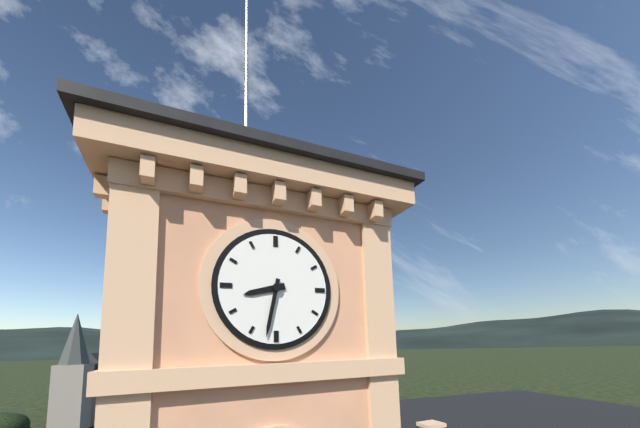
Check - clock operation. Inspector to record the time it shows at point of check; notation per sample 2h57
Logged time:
8h32
